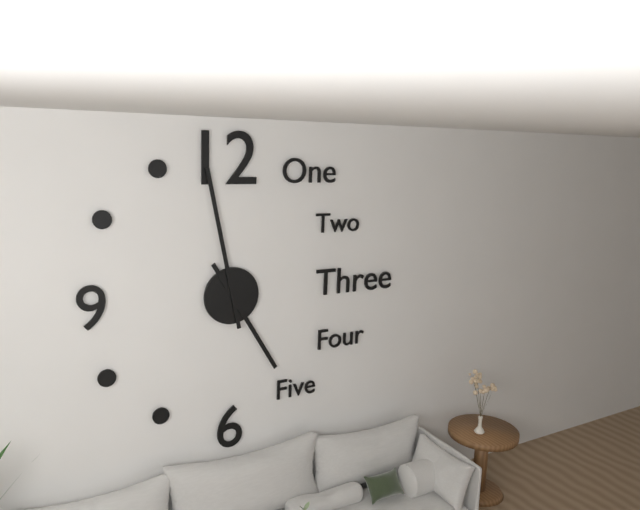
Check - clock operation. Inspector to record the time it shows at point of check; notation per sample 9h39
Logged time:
4h58
